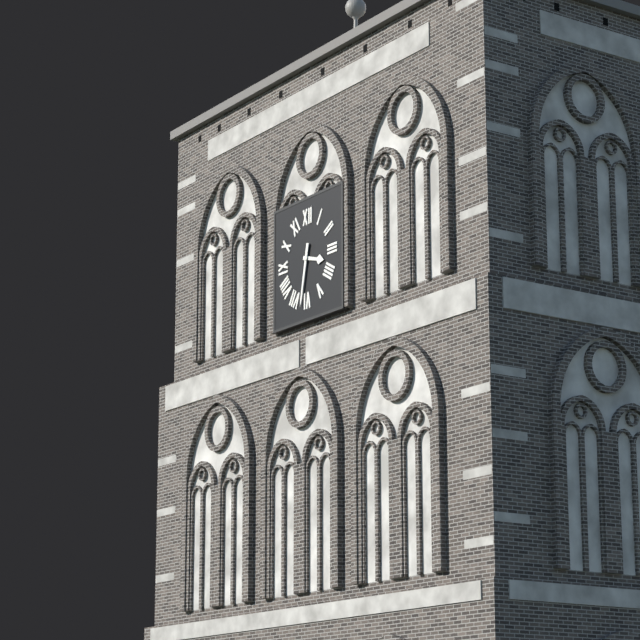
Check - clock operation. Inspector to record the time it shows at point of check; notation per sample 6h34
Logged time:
3h32
